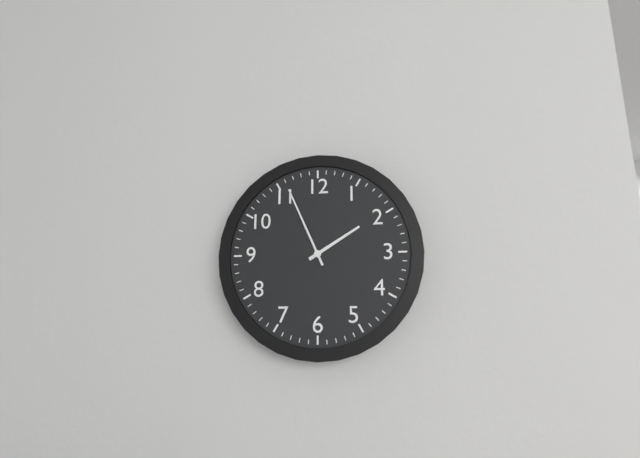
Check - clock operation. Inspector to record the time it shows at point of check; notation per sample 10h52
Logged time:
1h56
